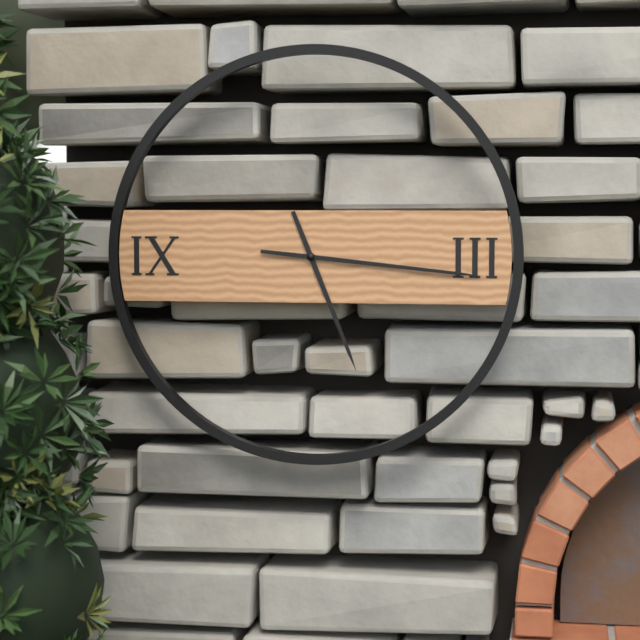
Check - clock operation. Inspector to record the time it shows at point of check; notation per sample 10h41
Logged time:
5h16
